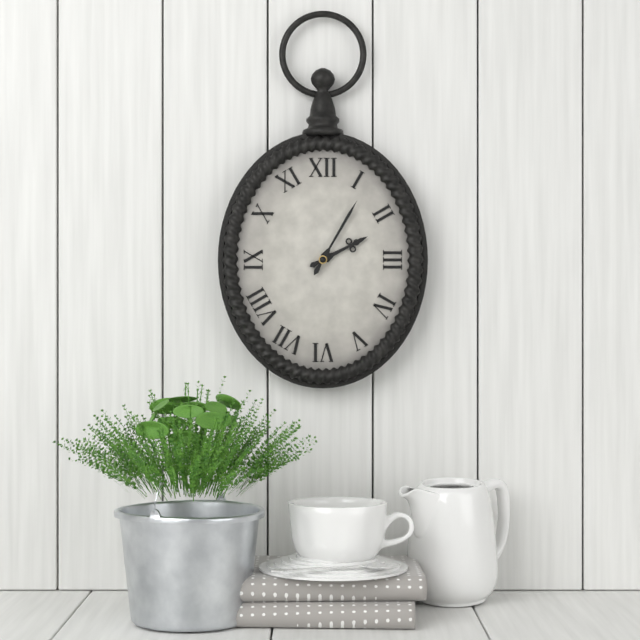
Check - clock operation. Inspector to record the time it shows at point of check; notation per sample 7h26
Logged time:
2h05
